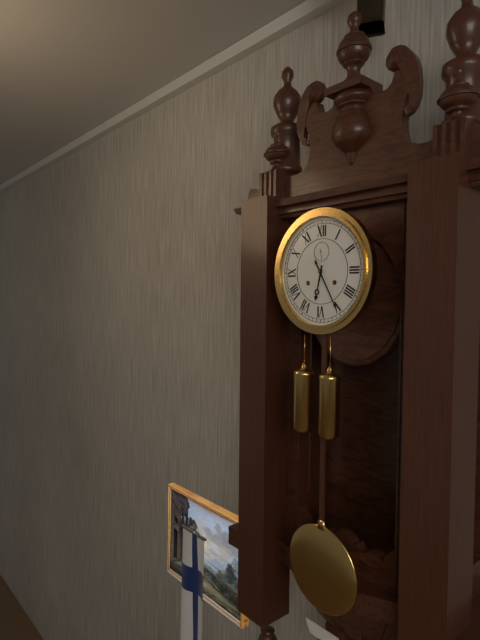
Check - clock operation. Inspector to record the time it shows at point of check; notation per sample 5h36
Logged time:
6h25
